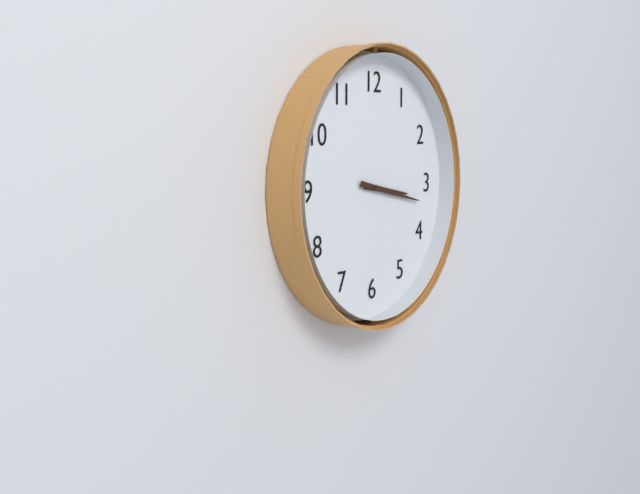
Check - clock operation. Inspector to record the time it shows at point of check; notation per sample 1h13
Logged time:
3h17
